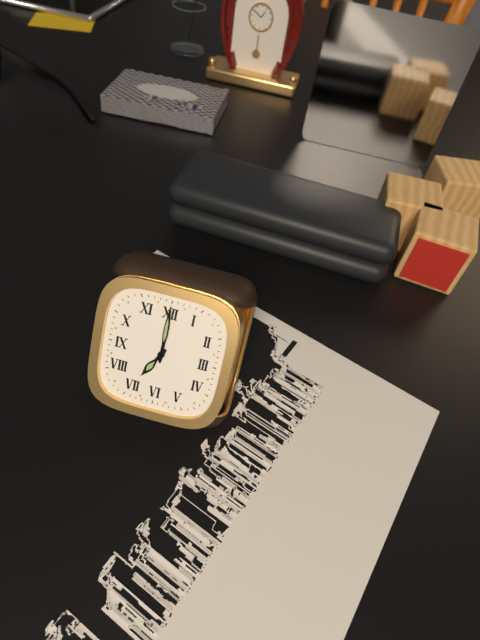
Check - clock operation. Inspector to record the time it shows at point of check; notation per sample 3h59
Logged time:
7h00
